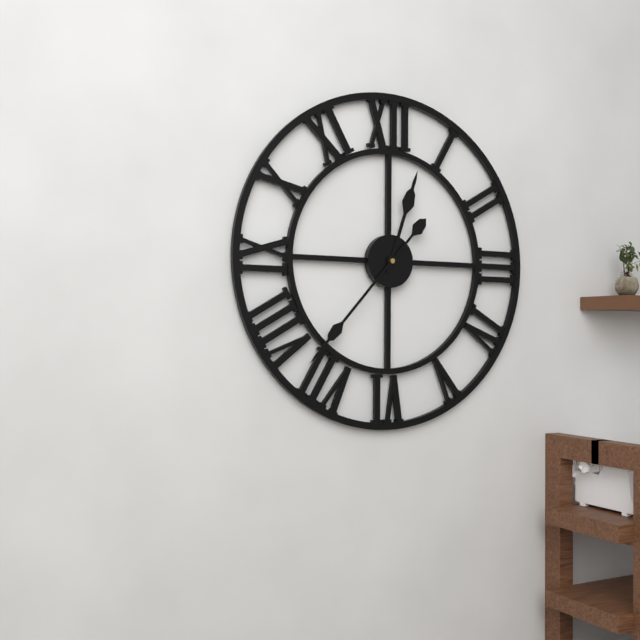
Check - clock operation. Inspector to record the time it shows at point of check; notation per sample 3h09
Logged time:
12h37
